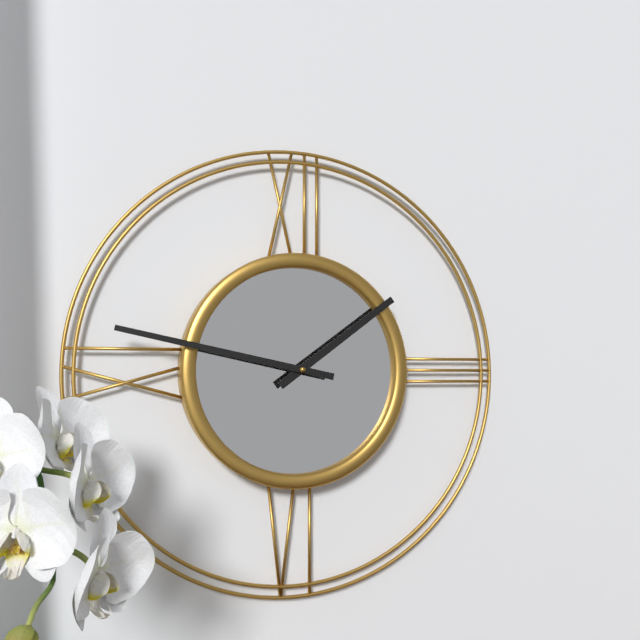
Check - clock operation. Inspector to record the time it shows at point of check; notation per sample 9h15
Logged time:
1h47
